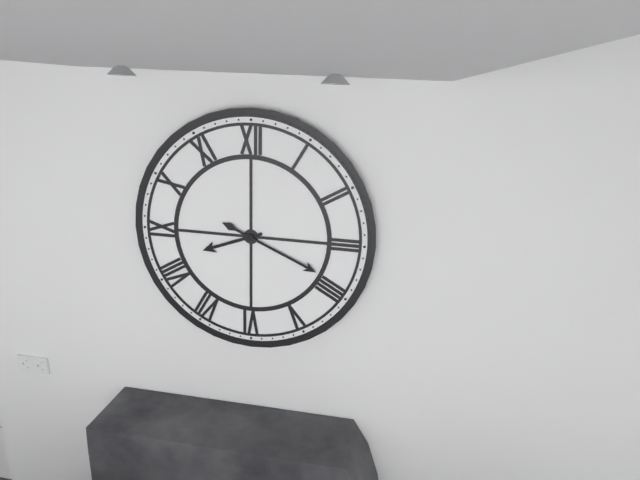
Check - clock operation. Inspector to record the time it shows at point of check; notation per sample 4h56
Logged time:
8h19
